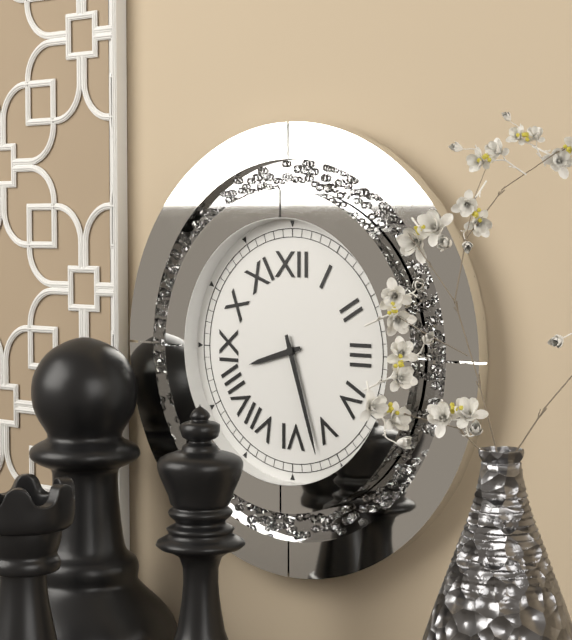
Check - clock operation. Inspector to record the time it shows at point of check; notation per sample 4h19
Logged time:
8h27
